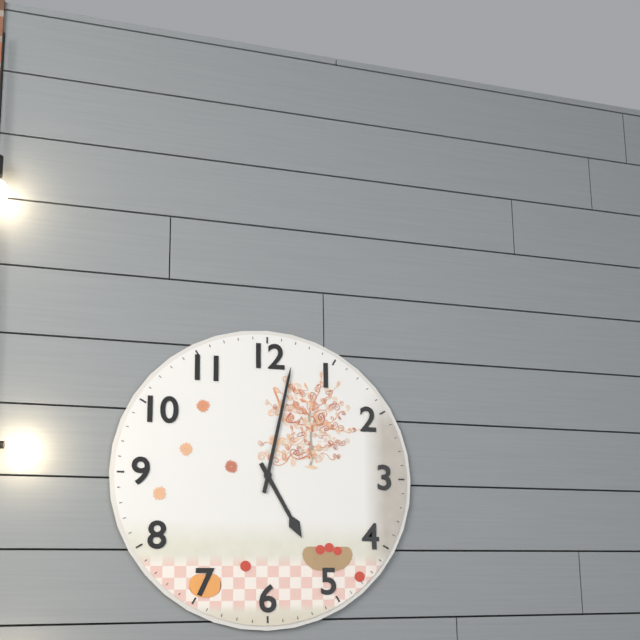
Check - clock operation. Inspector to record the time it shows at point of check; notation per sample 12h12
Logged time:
5h02
